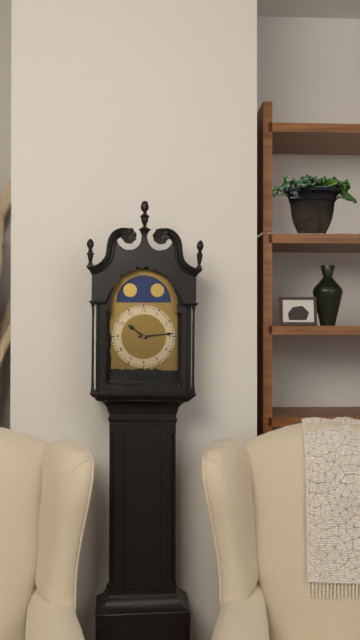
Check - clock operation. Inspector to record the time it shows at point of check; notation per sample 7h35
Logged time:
10h14
